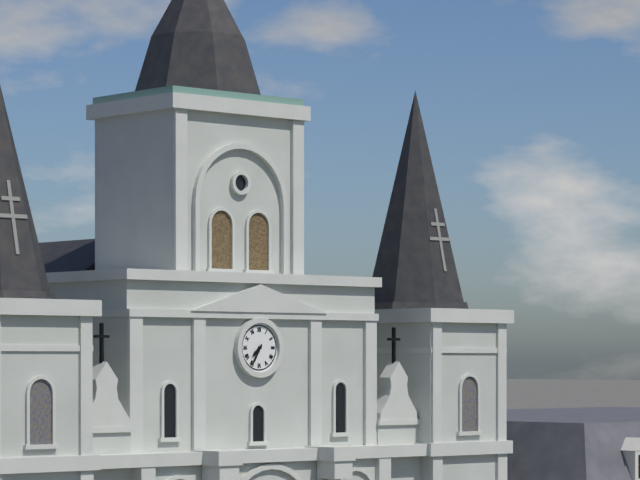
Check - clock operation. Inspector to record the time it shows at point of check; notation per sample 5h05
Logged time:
7h35
